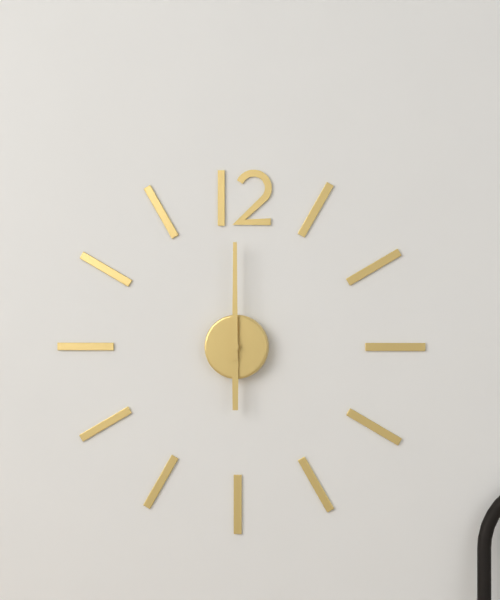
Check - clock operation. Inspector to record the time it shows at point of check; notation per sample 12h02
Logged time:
6h00
